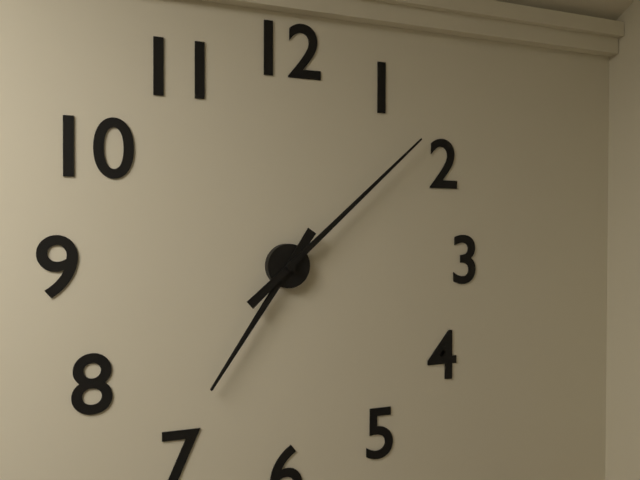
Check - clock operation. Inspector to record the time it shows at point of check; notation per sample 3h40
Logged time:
7h08
